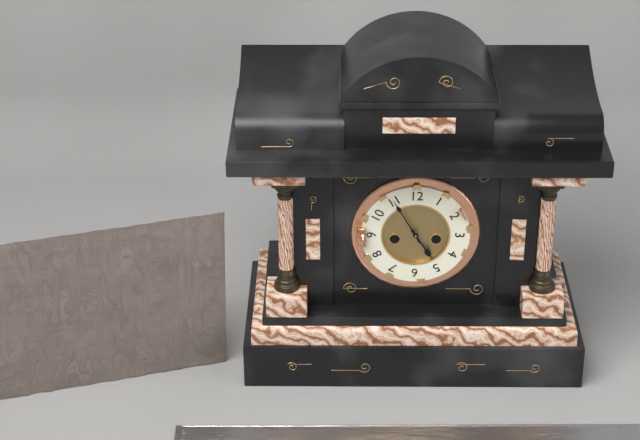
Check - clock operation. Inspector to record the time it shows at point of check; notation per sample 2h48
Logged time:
4h55
